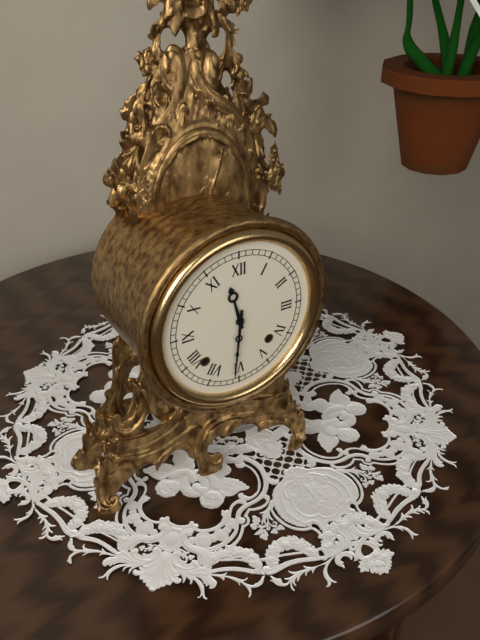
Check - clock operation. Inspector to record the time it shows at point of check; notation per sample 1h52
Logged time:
11h31
